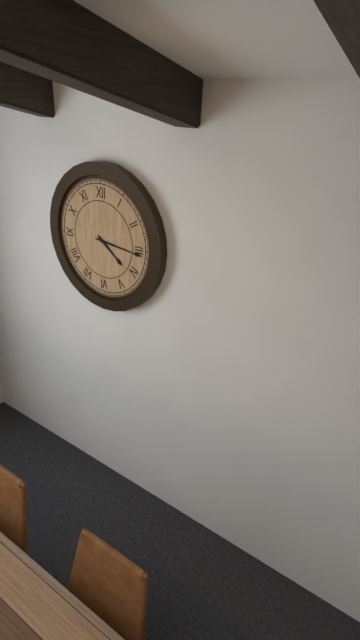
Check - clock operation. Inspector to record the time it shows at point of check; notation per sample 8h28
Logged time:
4h16
